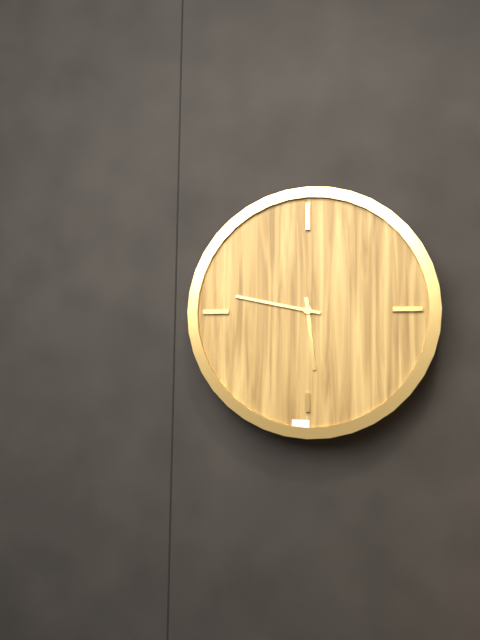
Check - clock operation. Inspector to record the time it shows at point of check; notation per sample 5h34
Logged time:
5h47
